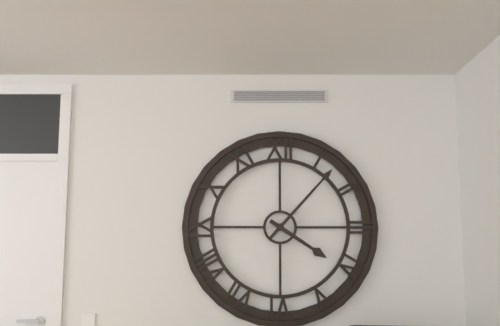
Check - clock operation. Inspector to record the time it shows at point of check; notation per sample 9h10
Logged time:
4h07
